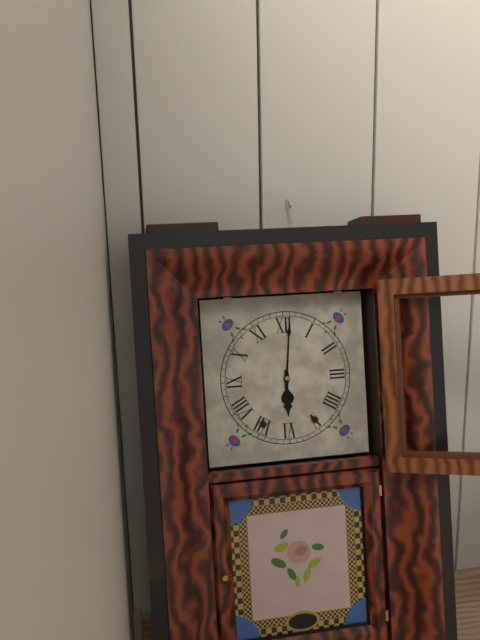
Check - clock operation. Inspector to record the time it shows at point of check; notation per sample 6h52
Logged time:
6h01
